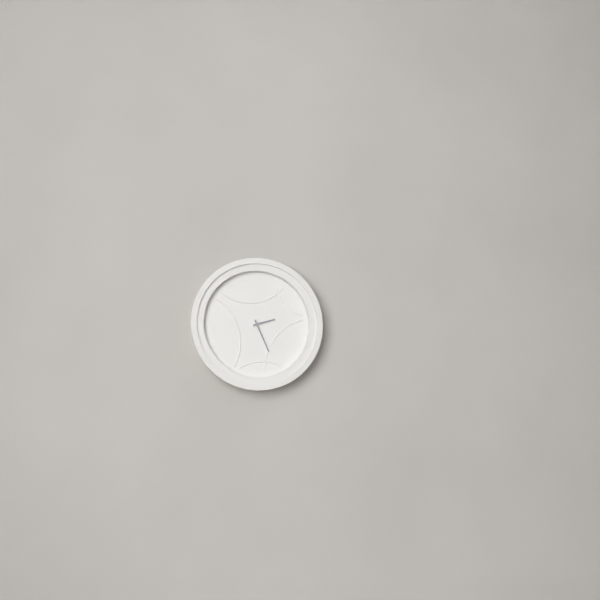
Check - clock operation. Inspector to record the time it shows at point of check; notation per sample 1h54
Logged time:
2h26
